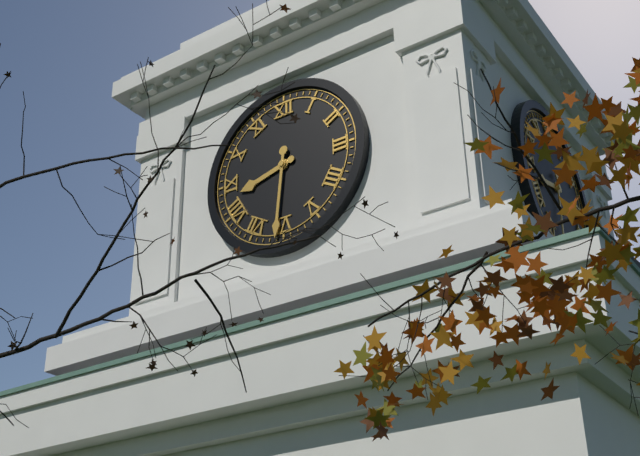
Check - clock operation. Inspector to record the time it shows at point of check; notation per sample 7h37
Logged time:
8h31
